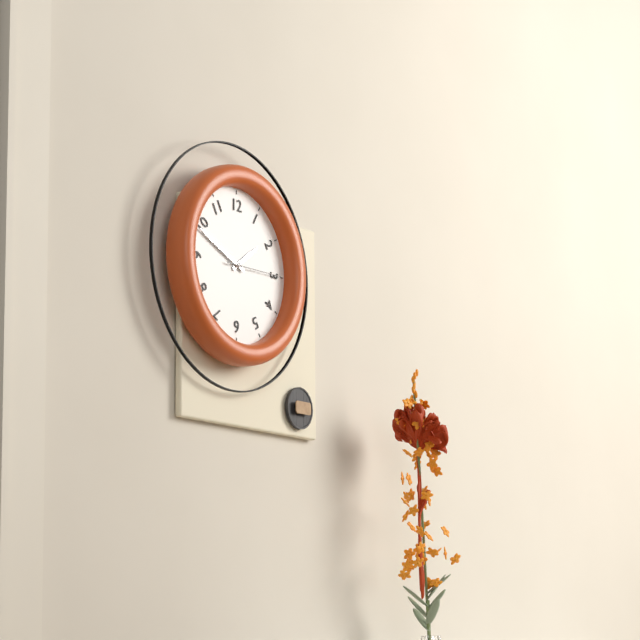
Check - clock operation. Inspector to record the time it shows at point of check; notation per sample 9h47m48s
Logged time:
1h49m15s
